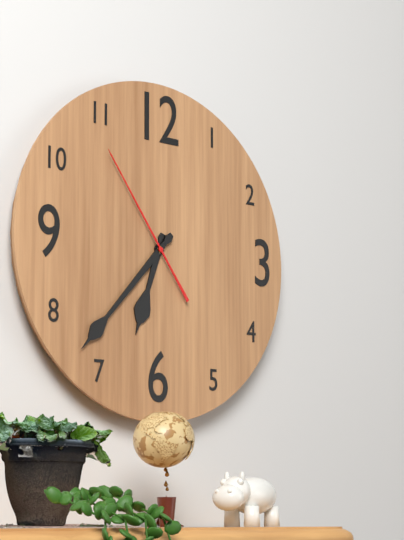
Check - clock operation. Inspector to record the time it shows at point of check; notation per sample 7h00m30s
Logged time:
6h37m54s
